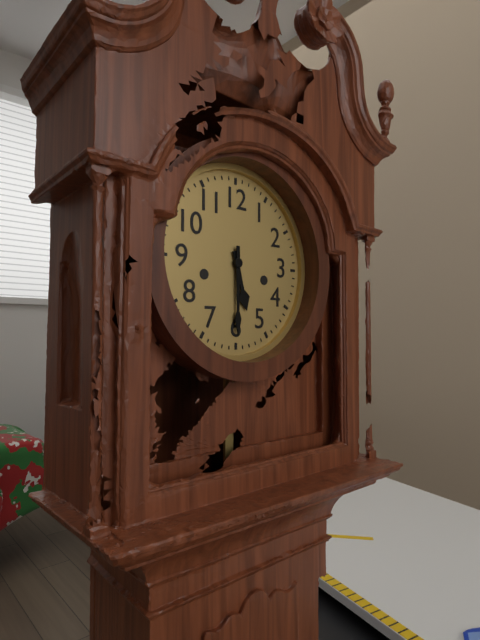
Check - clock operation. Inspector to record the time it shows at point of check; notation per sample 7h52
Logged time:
5h30
